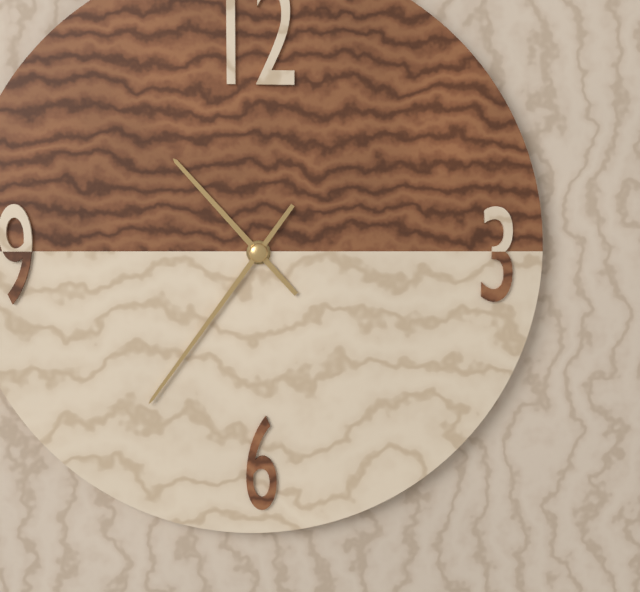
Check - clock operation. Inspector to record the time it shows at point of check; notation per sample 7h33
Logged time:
10h36
